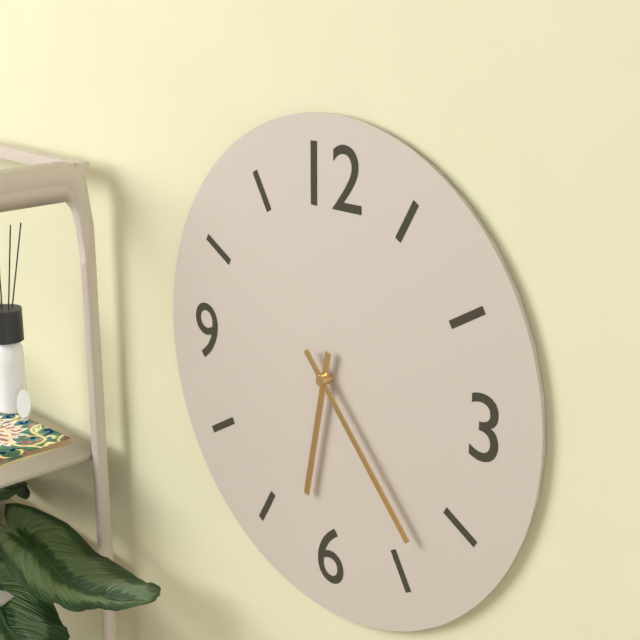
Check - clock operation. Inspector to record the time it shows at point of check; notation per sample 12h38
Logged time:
6h23
